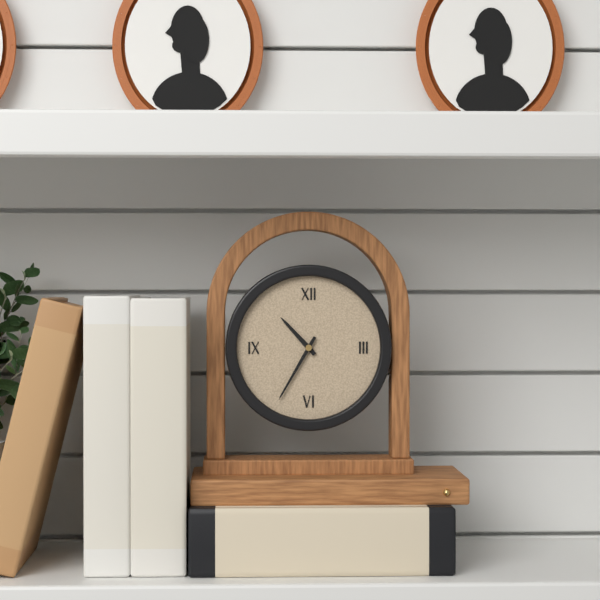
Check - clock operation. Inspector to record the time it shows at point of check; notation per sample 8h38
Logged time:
10h35
